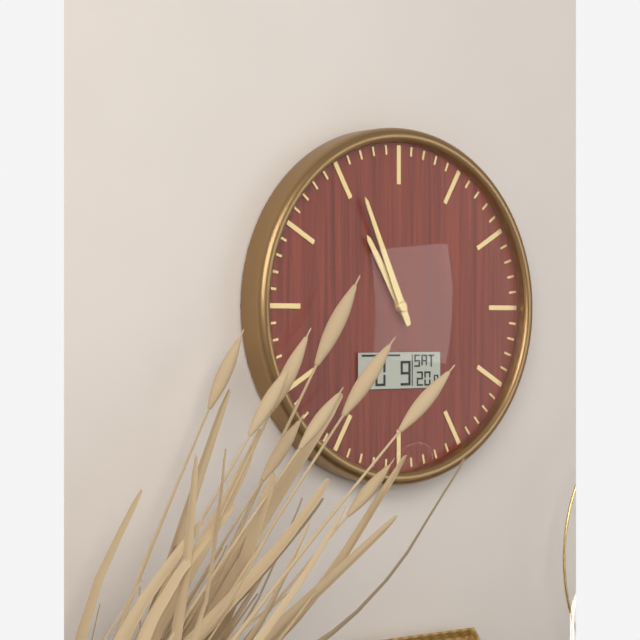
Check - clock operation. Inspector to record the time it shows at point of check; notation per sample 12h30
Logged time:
10h56
